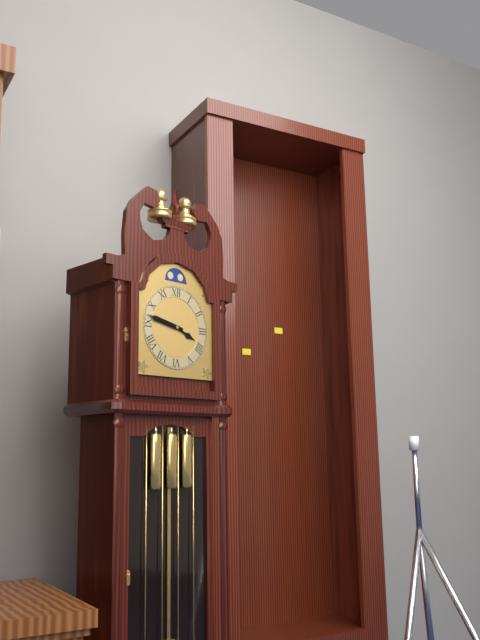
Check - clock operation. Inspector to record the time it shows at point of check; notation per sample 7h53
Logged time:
3h47
